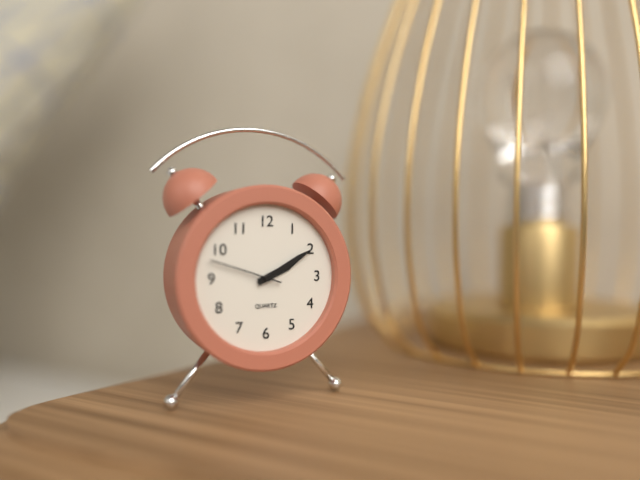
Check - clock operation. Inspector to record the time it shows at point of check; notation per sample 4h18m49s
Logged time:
2h10m48s
